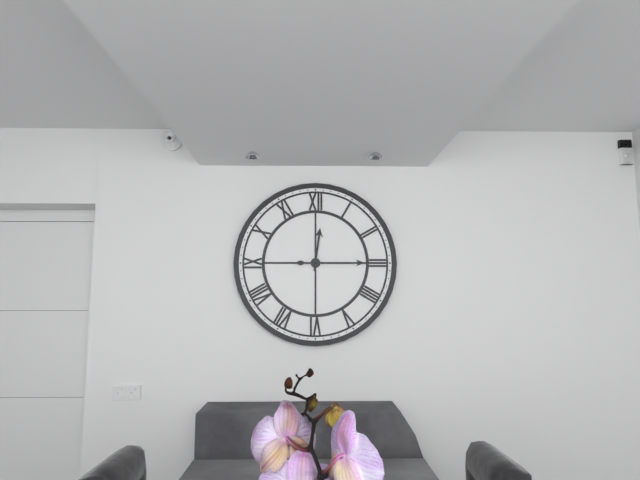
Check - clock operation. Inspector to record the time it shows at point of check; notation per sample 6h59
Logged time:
12h15
